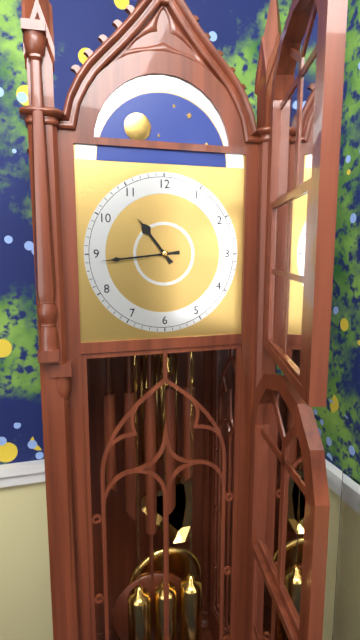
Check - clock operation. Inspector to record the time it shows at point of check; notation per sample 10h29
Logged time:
10h44
